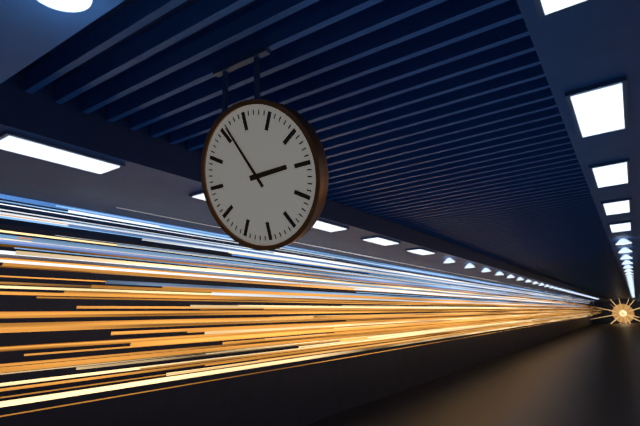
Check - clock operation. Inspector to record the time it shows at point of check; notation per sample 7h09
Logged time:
2h56
